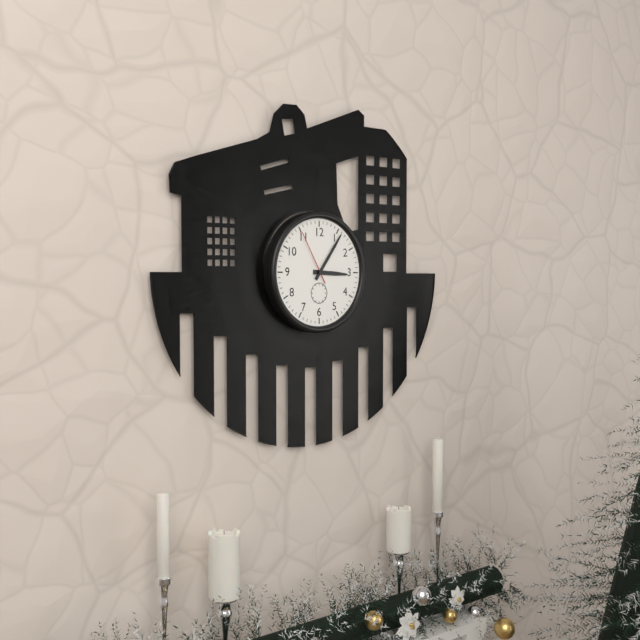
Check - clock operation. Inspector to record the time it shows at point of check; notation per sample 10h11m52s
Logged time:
3h06m55s
